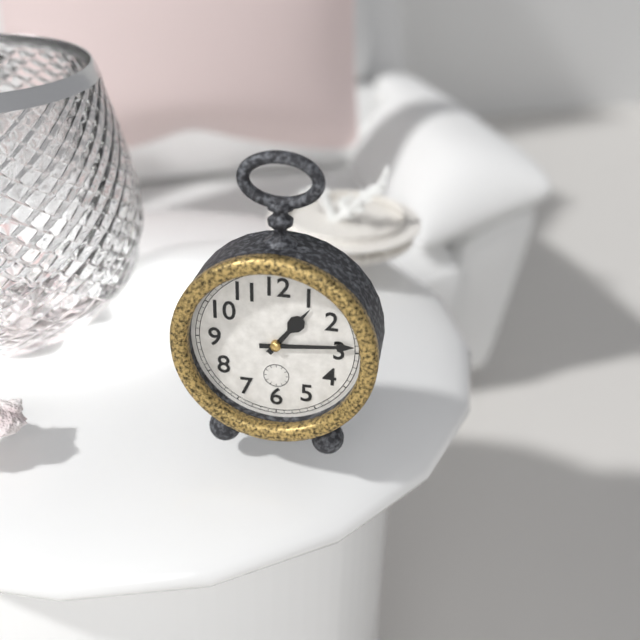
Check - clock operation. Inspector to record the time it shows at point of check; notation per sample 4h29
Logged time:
1h14
